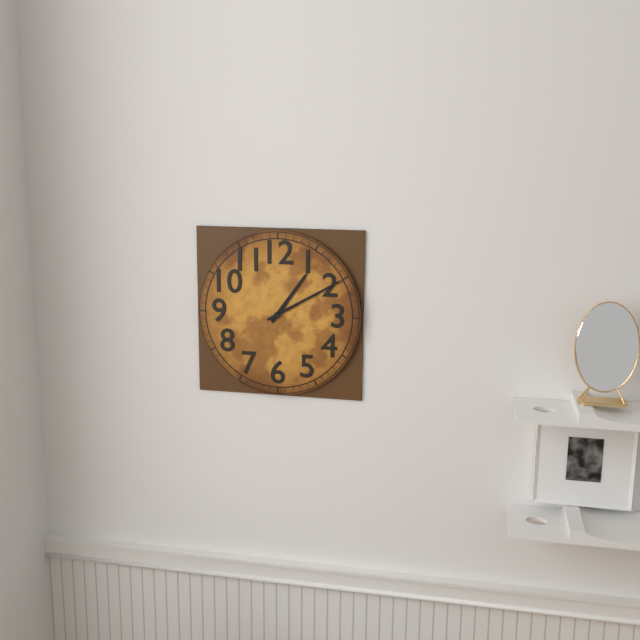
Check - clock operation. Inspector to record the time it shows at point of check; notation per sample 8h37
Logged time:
1h10
